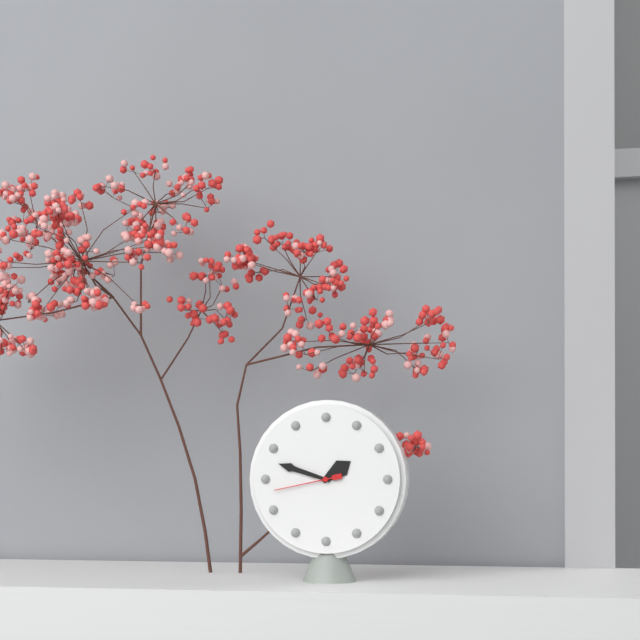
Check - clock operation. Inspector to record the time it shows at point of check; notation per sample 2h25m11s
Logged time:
1h48m43s
